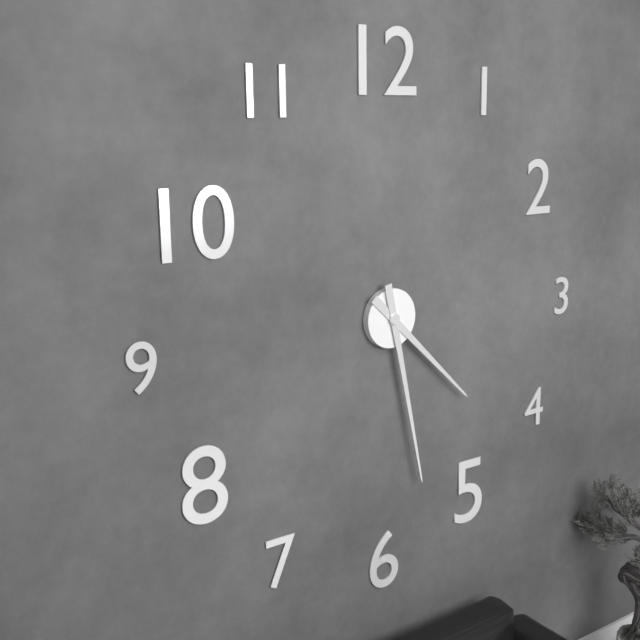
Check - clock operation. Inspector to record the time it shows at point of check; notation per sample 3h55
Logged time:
4h28
